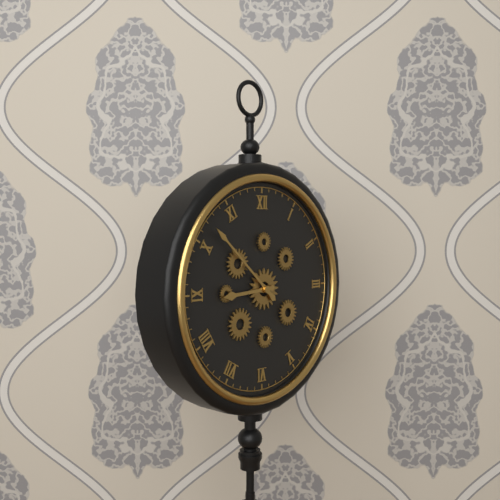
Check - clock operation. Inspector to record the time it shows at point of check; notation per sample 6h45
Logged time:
8h52
